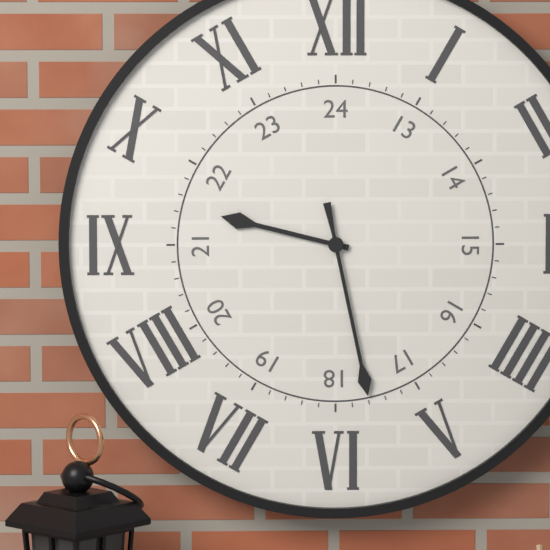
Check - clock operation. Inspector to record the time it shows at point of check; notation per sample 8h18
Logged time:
9h28
